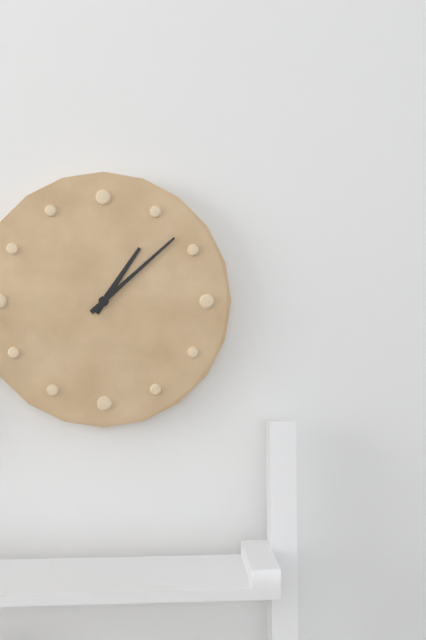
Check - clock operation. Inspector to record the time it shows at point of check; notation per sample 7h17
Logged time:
1h08
